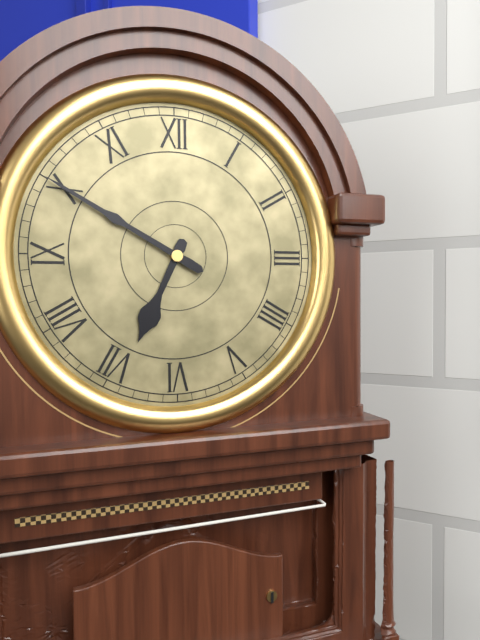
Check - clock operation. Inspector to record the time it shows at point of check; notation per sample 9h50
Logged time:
6h50
